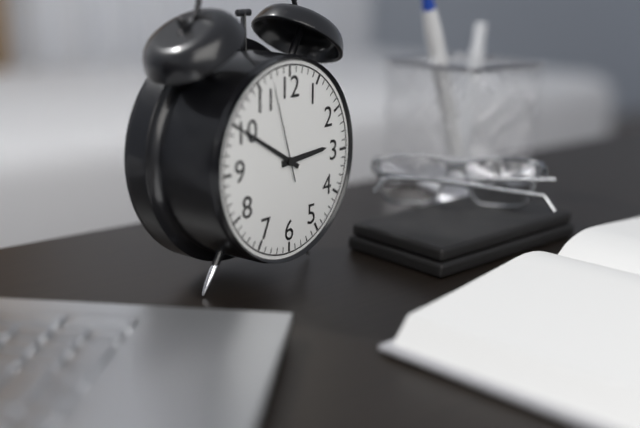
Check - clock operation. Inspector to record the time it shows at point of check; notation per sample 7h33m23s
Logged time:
2h50m57s
